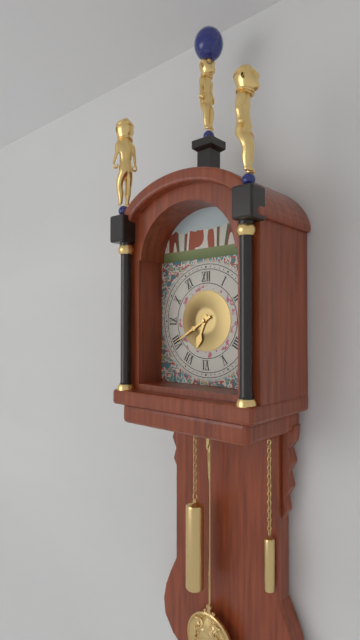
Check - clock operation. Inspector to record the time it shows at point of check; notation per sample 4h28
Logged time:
6h40
